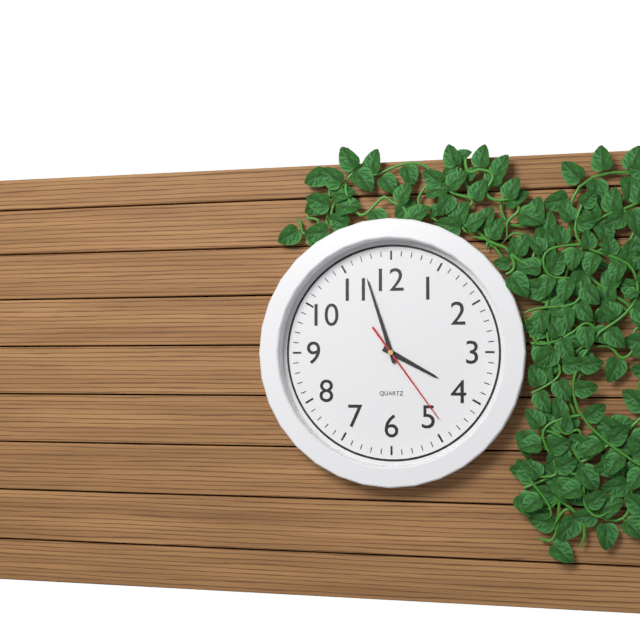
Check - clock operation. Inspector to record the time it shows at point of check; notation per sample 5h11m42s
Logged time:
3h57m24s
